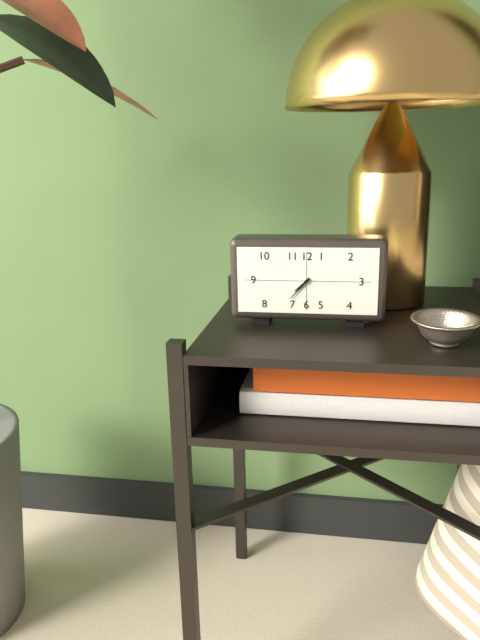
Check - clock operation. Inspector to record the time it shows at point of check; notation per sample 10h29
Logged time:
7h37
